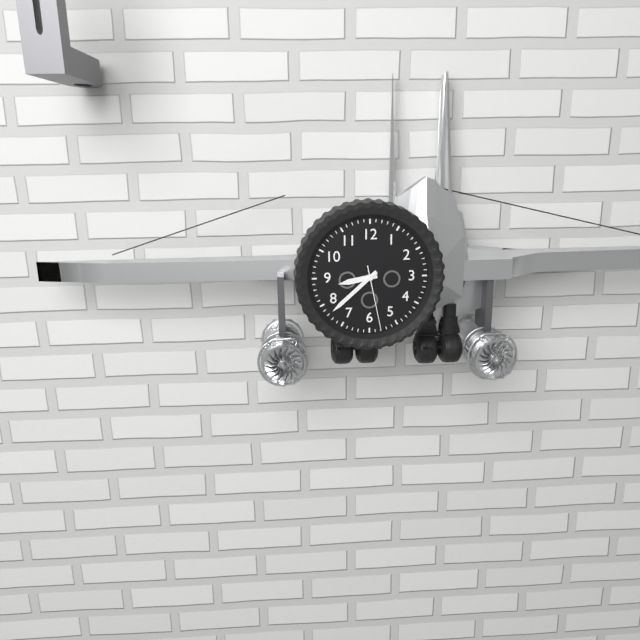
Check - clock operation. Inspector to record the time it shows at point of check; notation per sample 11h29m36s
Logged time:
8h38m28s
